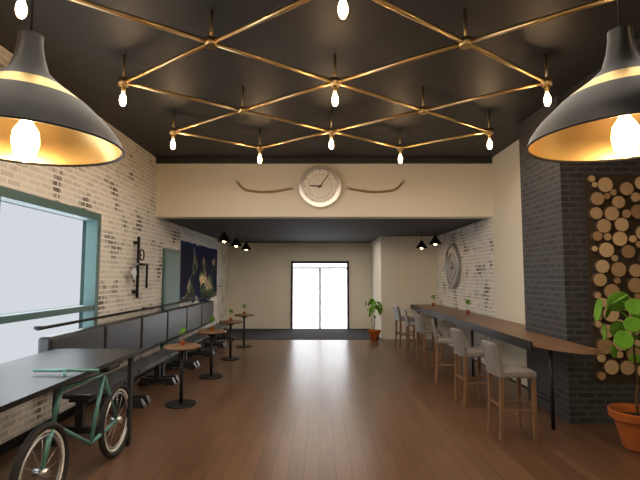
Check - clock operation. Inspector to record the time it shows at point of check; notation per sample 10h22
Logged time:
9h06
